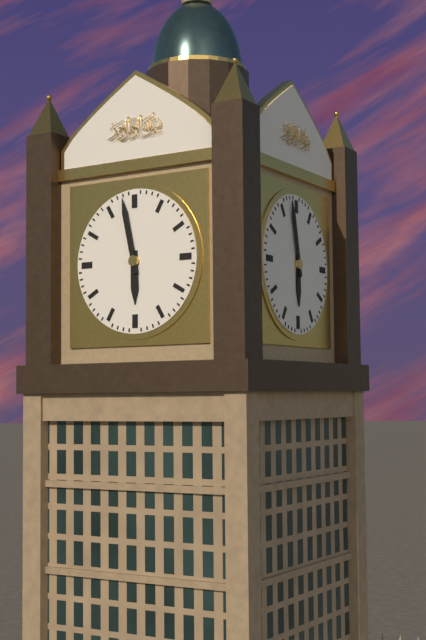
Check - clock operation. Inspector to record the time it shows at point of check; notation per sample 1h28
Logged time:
5h58
